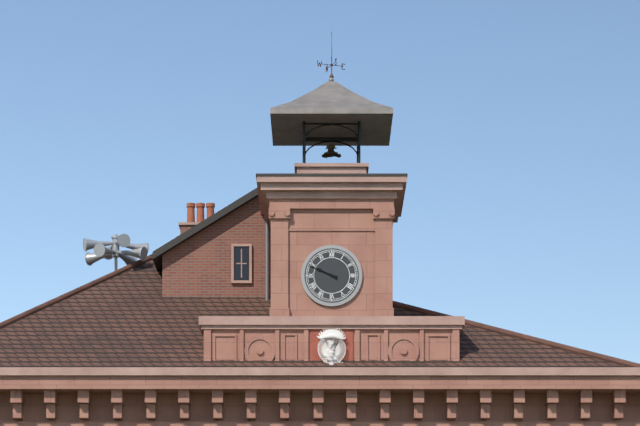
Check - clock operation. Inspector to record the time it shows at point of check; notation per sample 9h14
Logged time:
9h49
